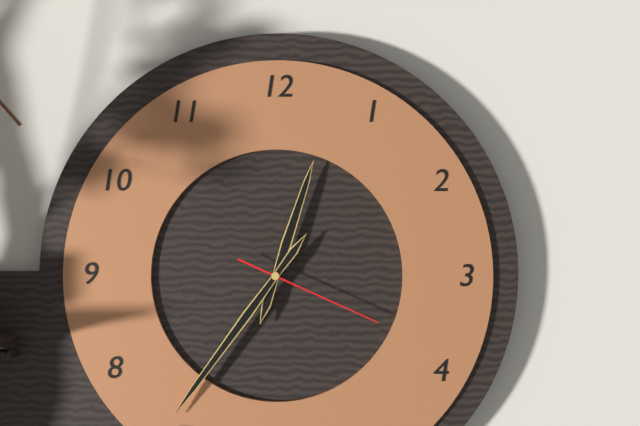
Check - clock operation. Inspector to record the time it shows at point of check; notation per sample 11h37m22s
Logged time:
12h36m19s
